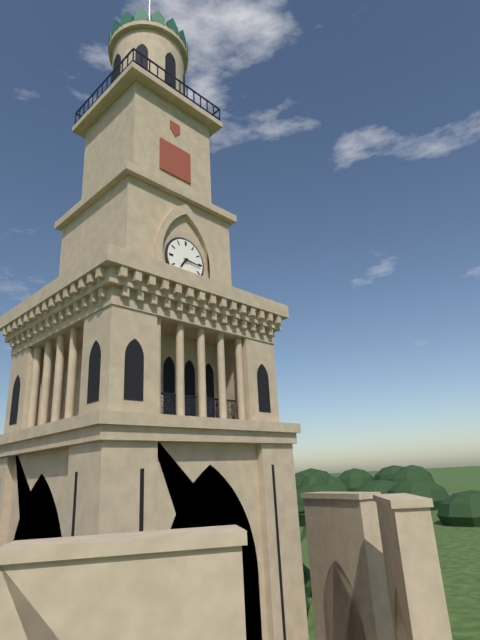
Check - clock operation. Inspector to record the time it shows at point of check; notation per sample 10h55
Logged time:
7h16
